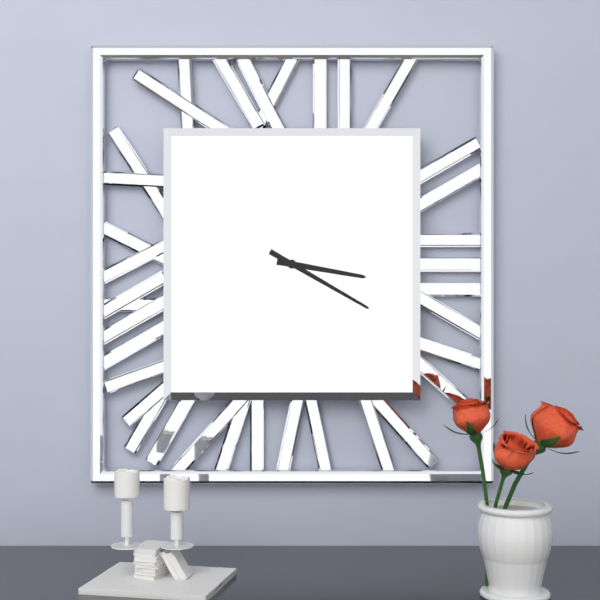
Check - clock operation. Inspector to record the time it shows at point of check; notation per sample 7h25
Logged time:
3h20
